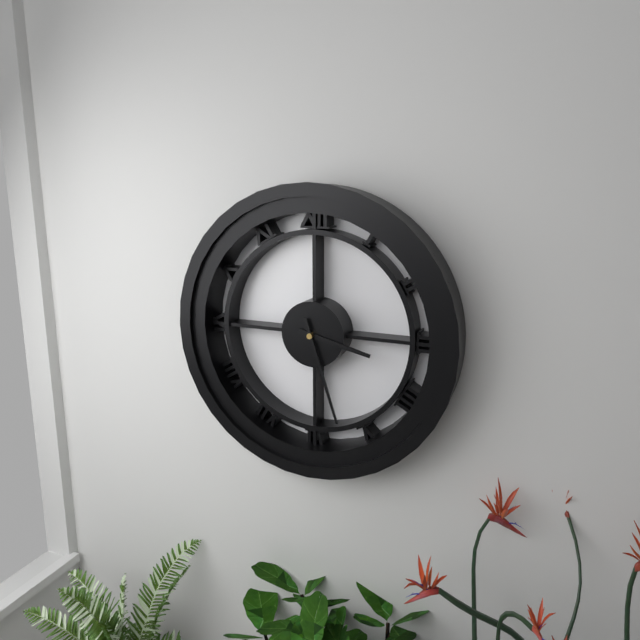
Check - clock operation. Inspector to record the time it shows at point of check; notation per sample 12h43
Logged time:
3h27
